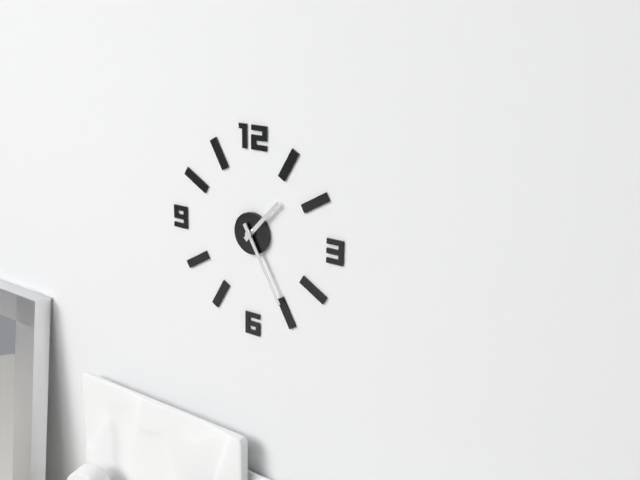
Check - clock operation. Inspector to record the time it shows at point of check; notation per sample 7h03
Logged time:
1h25
